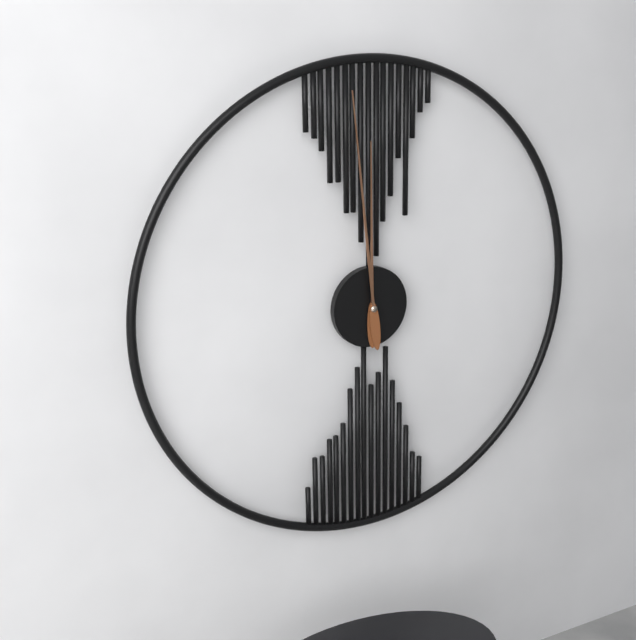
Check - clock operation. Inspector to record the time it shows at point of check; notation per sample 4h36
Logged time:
11h59
